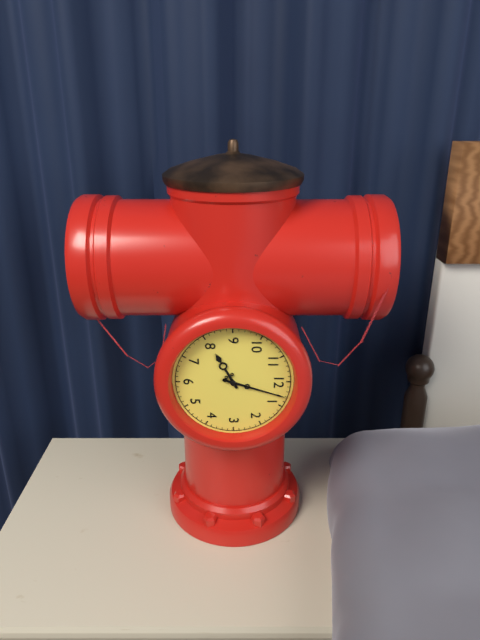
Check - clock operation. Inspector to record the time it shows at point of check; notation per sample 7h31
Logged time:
8h03
